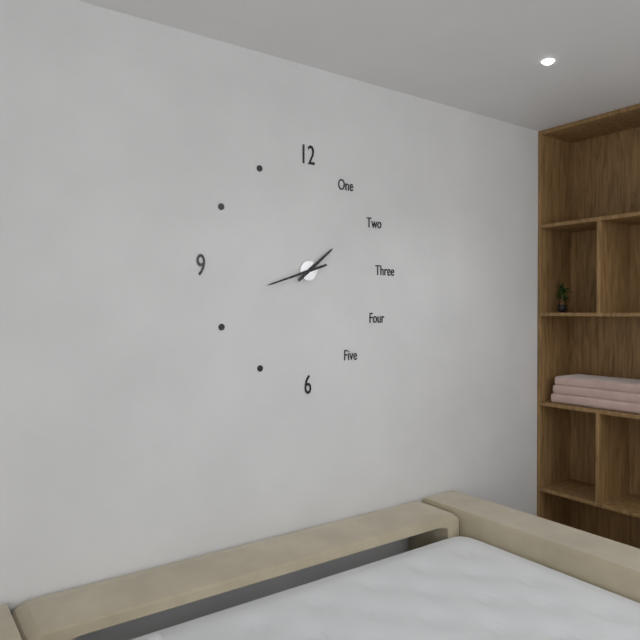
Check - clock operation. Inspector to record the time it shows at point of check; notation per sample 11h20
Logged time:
1h42
